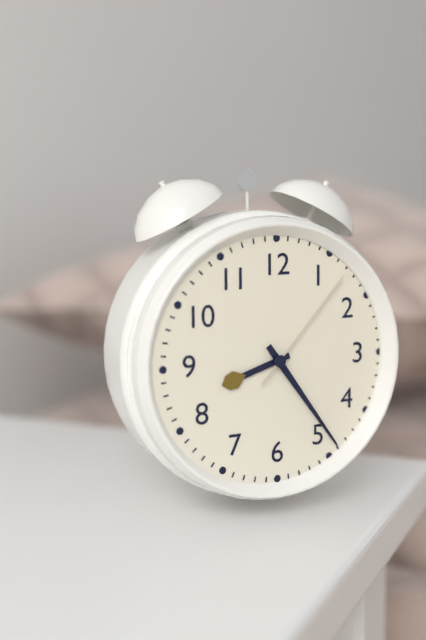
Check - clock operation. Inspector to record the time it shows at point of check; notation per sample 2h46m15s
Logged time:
8h24m07s
